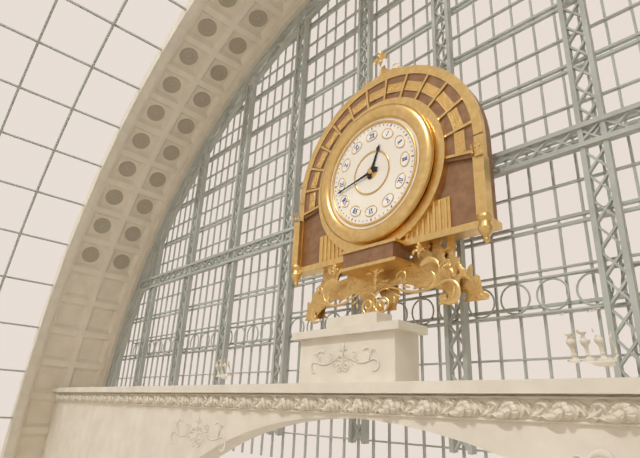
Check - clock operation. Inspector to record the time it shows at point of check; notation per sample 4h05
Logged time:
12h43
